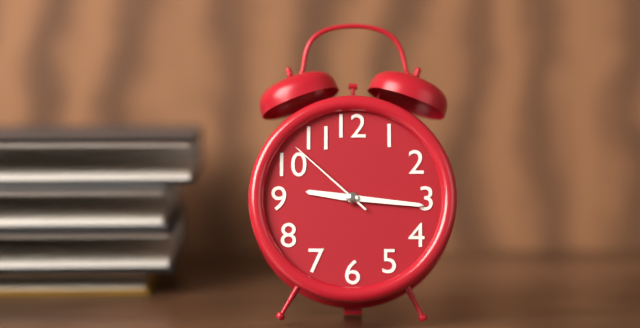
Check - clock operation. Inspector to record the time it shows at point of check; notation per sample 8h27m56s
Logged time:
9h16m52s
